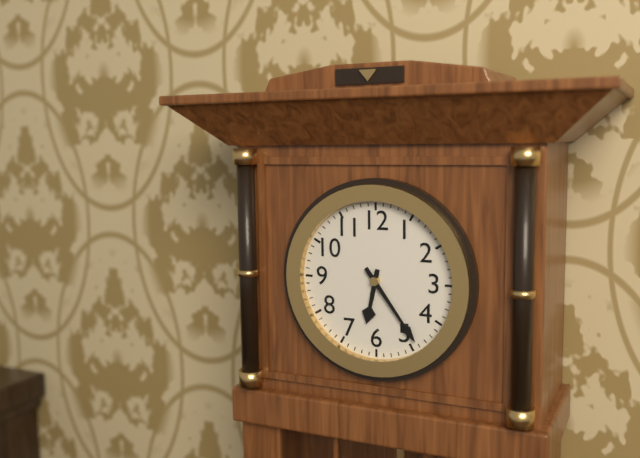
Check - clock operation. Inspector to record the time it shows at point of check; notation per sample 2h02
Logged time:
6h24
